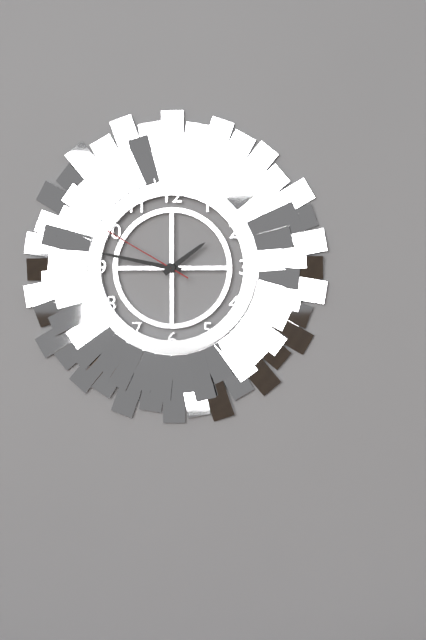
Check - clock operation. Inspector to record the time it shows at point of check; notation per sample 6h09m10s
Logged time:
1h47m50s
